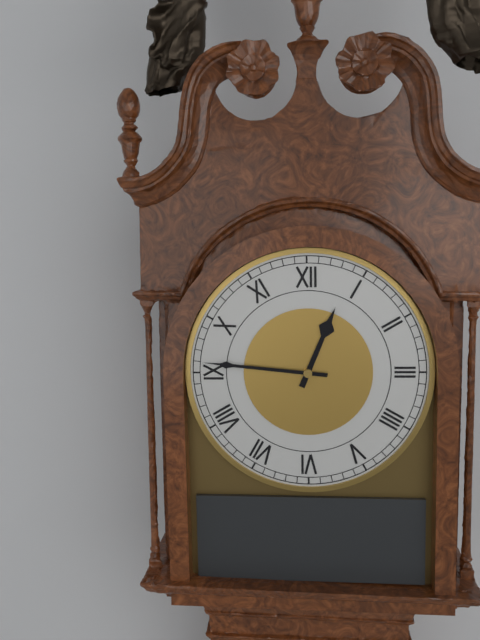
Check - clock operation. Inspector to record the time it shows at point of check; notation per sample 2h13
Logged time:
12h46
